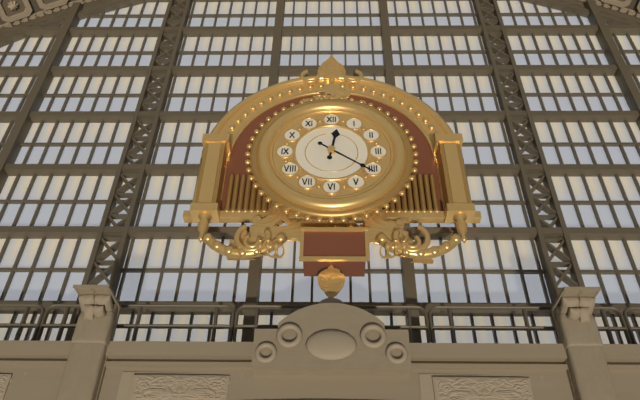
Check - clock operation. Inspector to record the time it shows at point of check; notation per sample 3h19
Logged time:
12h21
